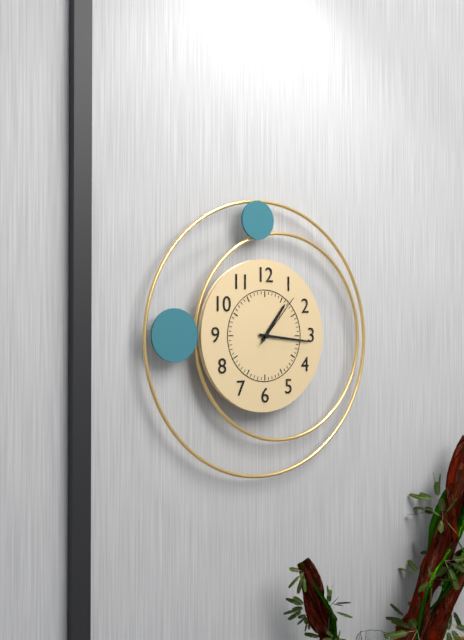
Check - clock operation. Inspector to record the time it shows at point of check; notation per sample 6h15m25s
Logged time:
1h16m07s
